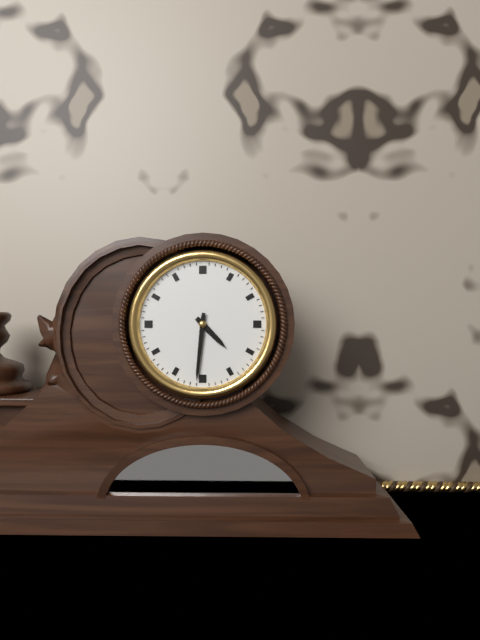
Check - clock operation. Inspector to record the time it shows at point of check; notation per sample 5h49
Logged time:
4h31
